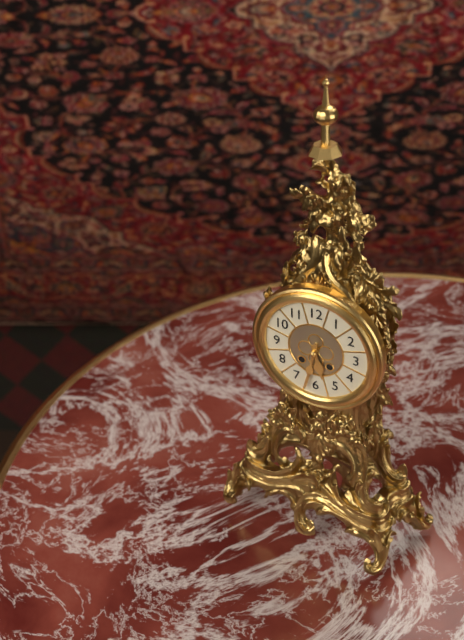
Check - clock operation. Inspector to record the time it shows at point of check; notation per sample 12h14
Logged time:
5h32
